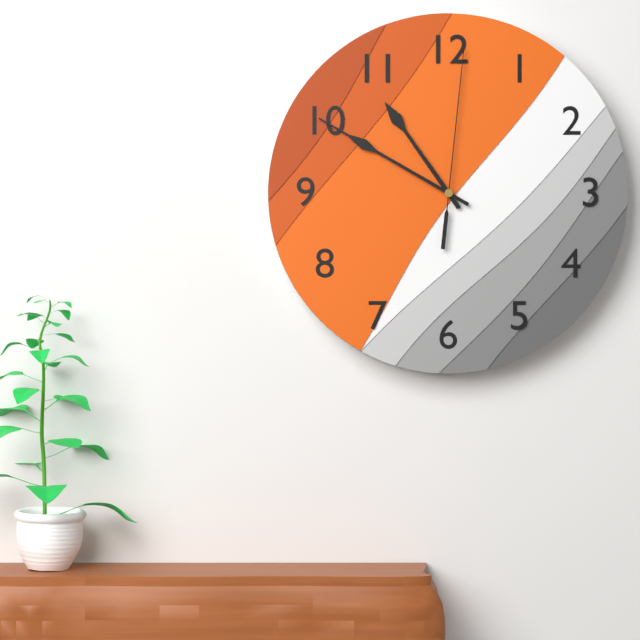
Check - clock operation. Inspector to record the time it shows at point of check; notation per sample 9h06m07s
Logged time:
10h50m01s
